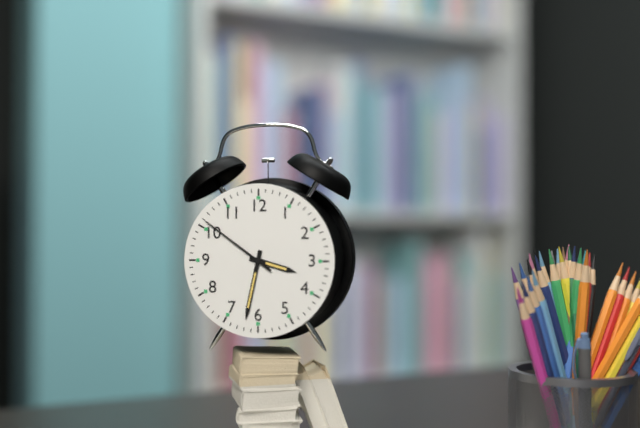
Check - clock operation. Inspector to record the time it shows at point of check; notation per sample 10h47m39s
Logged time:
3h32m51s
